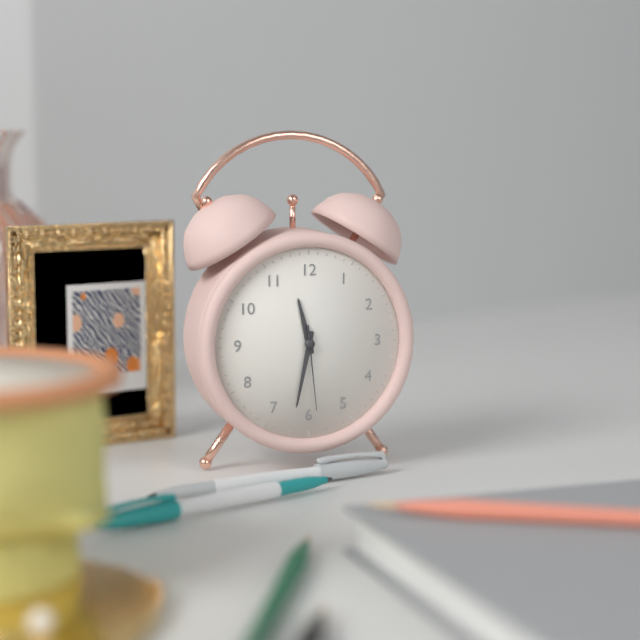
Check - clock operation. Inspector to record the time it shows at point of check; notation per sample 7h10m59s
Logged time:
11h32m29s
